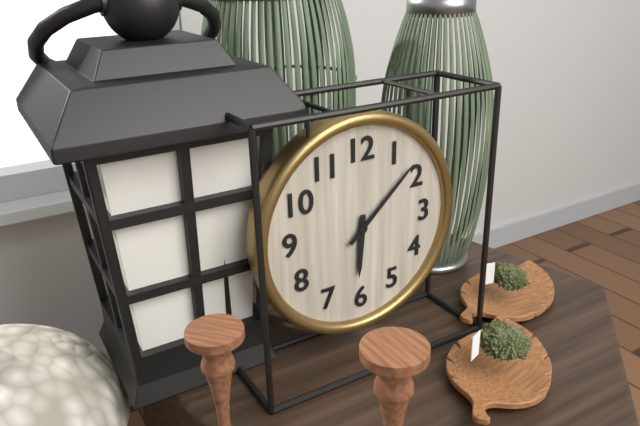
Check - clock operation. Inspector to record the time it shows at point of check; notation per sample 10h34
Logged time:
6h08
